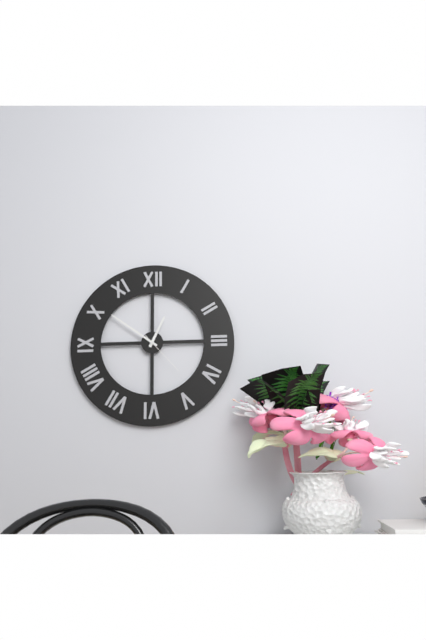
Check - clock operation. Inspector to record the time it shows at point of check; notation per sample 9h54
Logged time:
12h51
